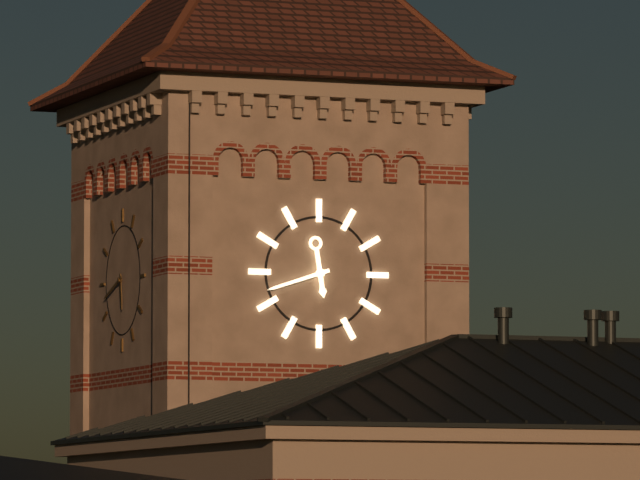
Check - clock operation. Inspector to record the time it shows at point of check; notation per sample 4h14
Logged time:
5h42
